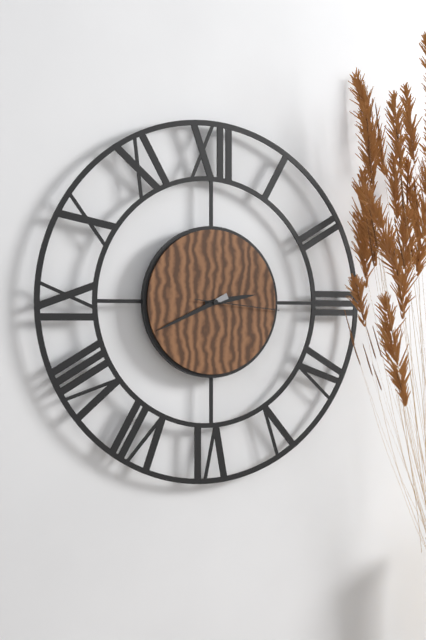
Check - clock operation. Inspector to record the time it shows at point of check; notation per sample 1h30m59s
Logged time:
2h41m16s
